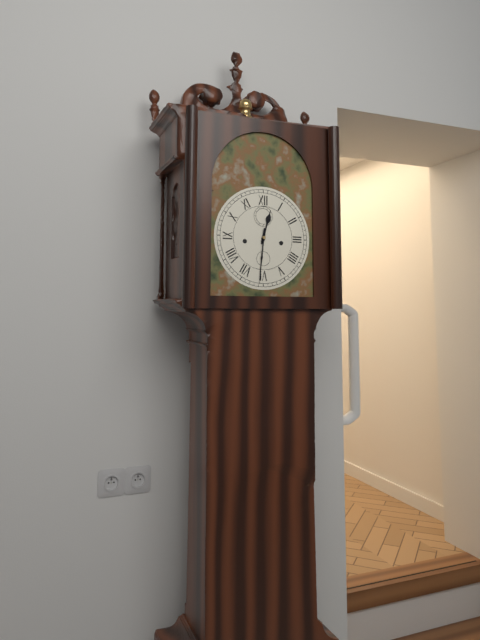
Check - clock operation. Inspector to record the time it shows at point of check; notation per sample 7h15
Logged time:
12h31
